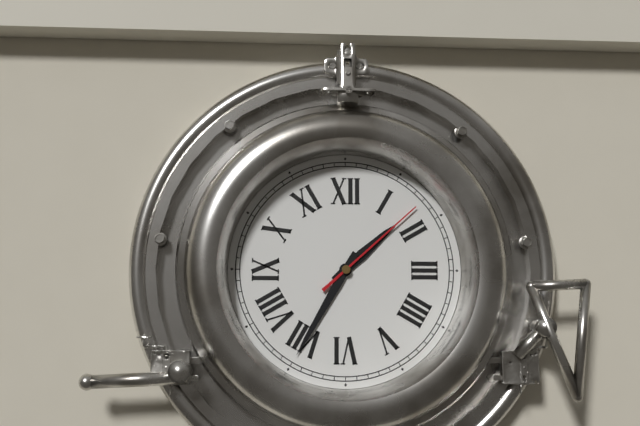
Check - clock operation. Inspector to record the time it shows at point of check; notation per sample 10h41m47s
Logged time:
1h35m08s
